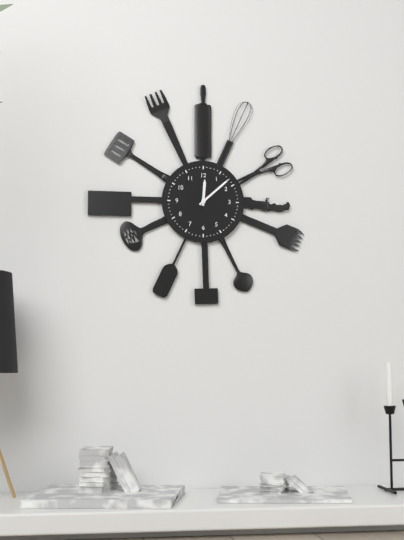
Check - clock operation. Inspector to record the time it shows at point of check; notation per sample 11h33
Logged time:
12h08
